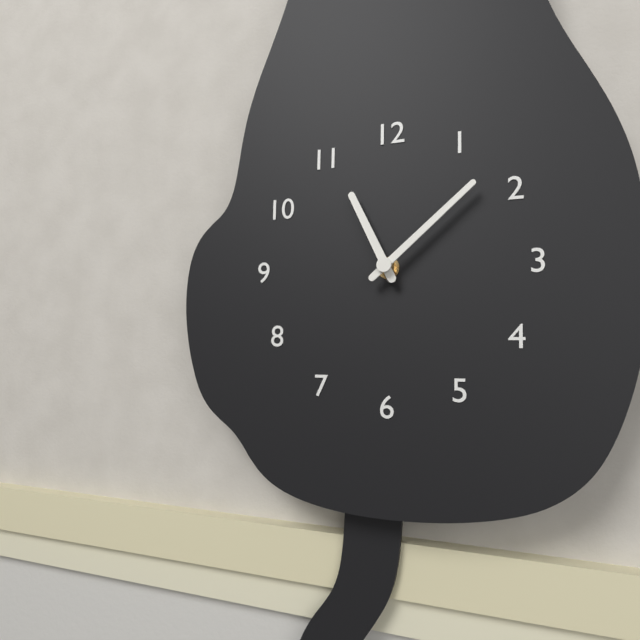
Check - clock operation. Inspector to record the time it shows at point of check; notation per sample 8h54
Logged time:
11h08
